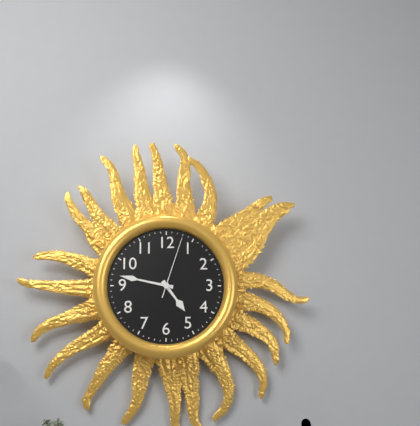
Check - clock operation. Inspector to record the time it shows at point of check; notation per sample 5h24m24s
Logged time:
4h47m03s
